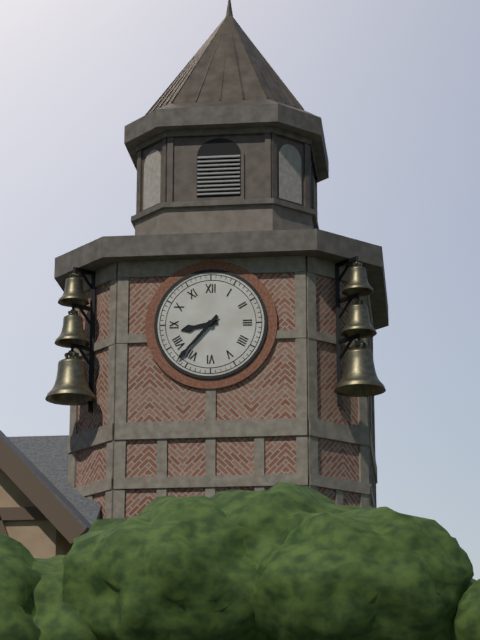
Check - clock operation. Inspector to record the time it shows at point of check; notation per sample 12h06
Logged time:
8h37
